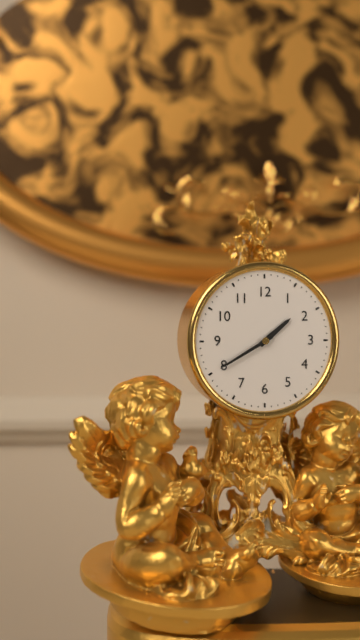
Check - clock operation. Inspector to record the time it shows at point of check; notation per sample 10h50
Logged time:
1h40
